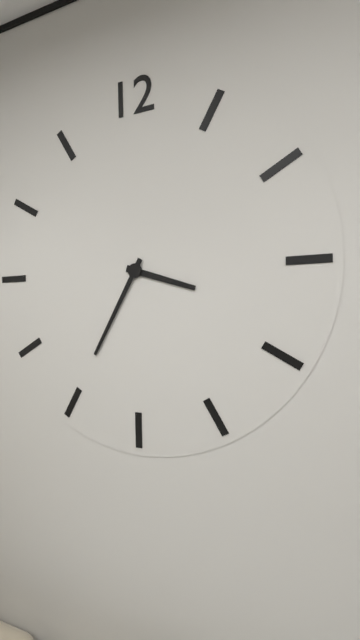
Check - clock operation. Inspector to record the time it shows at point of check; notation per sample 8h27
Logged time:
3h35
